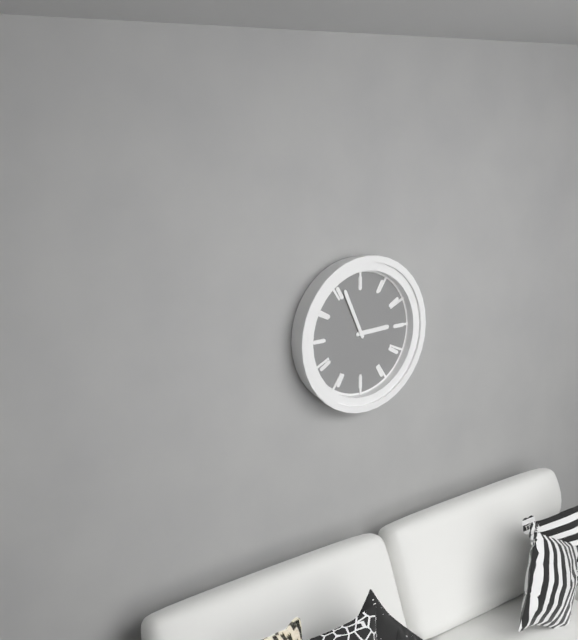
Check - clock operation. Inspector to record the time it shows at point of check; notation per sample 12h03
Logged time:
2h56
